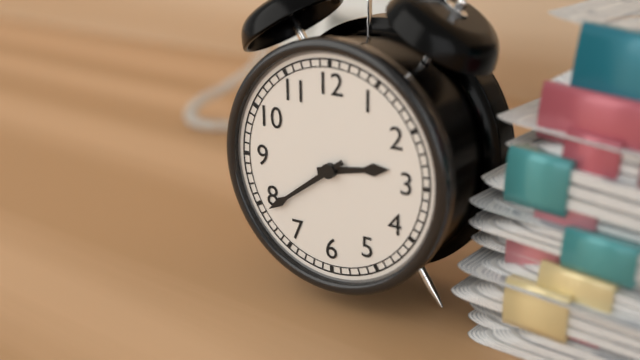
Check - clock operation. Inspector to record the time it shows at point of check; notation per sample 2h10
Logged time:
2h39
